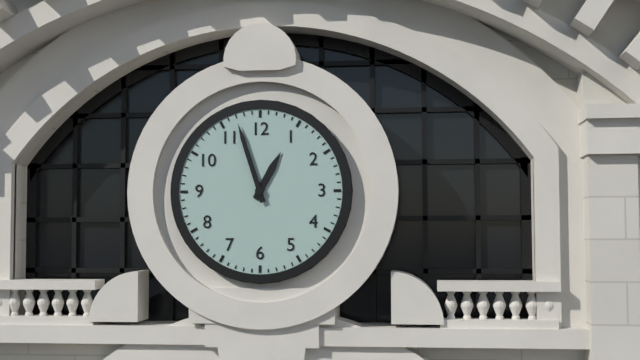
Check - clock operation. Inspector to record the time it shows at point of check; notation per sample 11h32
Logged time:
12h57
